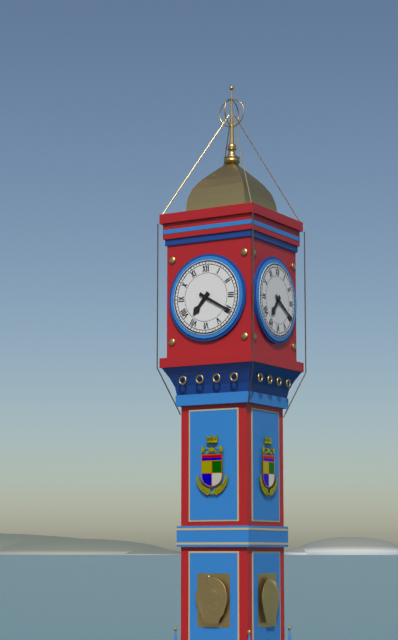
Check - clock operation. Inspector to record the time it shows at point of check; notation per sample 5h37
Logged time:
7h20
